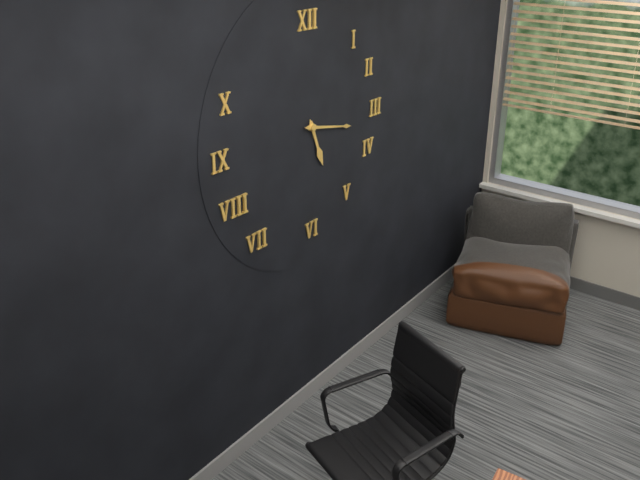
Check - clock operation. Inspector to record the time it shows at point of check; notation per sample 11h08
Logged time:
5h17
